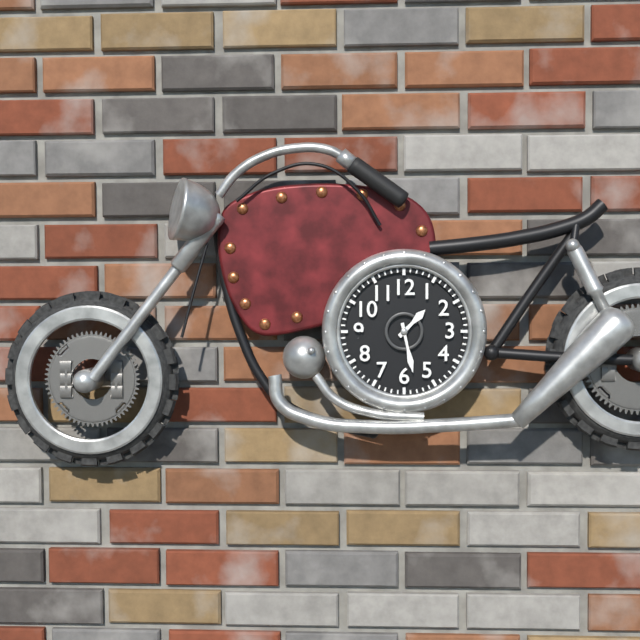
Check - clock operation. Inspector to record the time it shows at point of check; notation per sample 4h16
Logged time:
1h28
